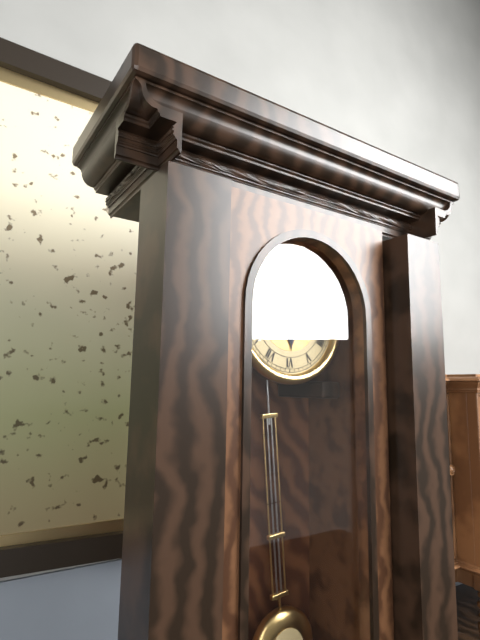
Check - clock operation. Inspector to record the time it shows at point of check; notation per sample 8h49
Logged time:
5h55
